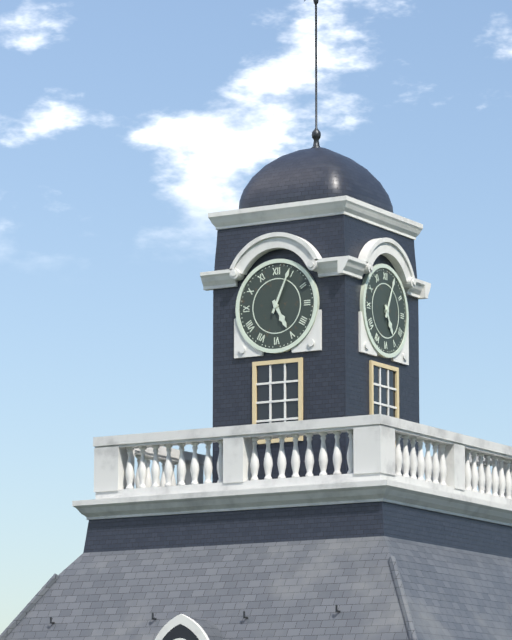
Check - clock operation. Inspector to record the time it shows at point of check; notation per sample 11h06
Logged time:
5h04
